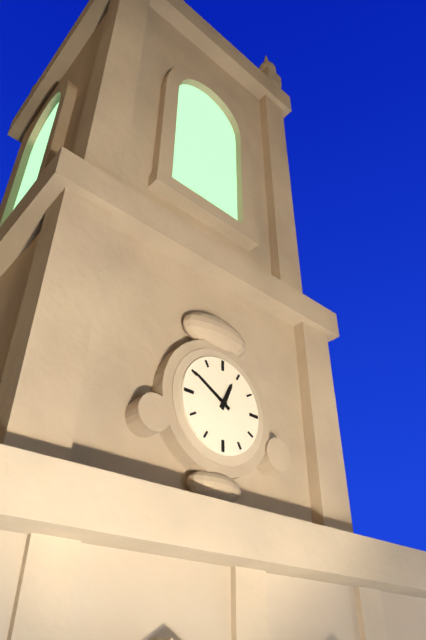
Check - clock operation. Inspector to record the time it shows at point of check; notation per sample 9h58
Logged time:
12h50
